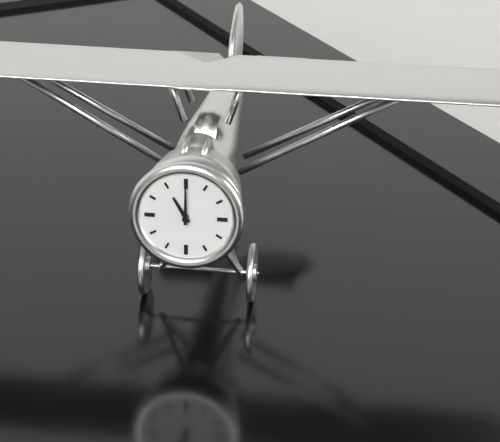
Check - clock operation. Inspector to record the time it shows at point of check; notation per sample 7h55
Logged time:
11h00
